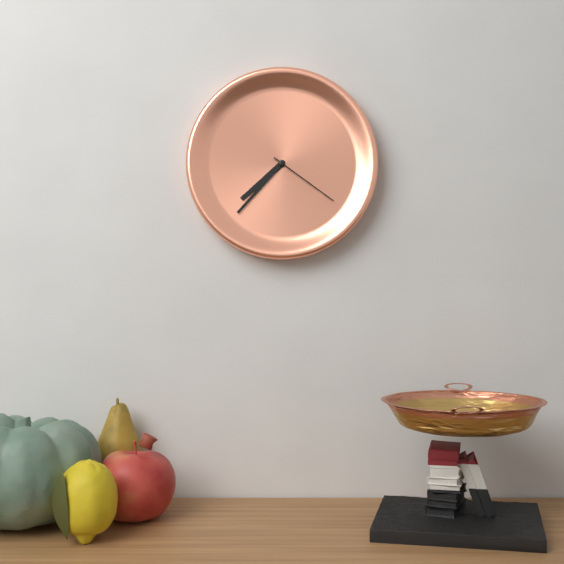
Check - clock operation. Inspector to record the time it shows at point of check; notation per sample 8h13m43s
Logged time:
7h37m21s
